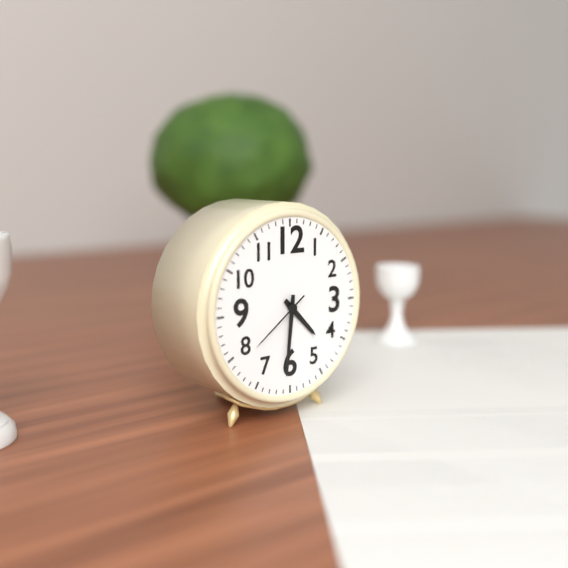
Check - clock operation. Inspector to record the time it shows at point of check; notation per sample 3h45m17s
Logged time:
4h31m39s
